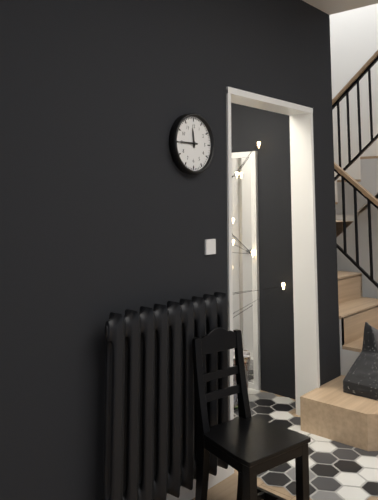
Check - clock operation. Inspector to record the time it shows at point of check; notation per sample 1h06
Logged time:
11h45
